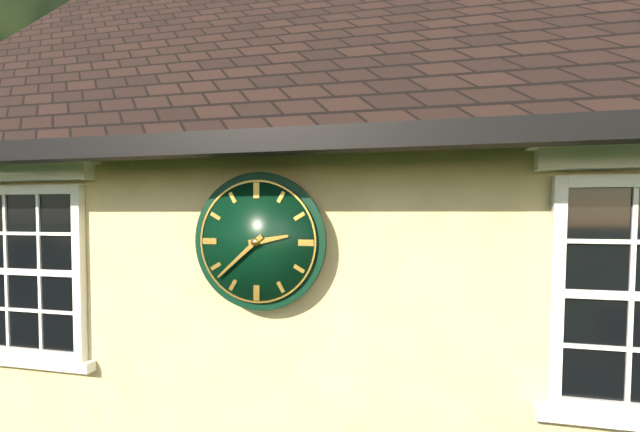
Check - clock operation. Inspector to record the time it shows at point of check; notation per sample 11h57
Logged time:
2h38
